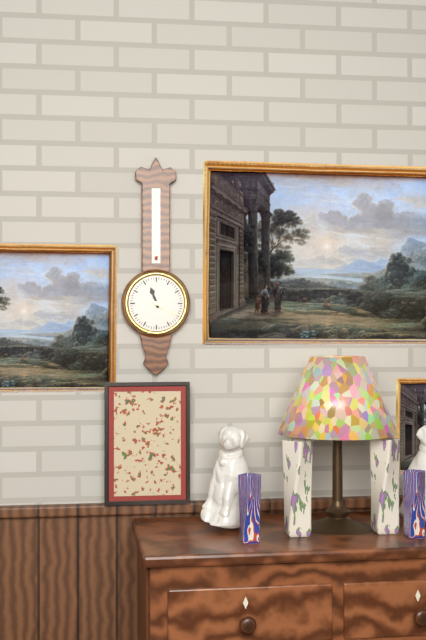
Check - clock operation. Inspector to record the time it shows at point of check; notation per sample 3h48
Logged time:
11h20
